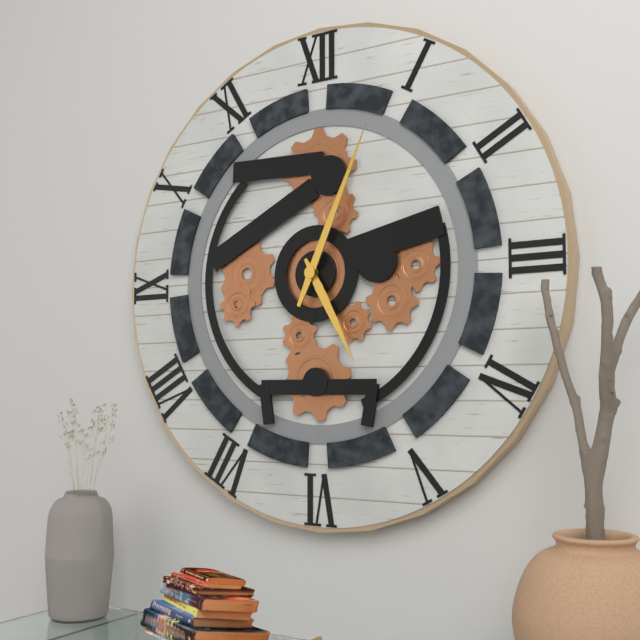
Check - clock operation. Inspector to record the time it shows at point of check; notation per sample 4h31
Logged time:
5h04
